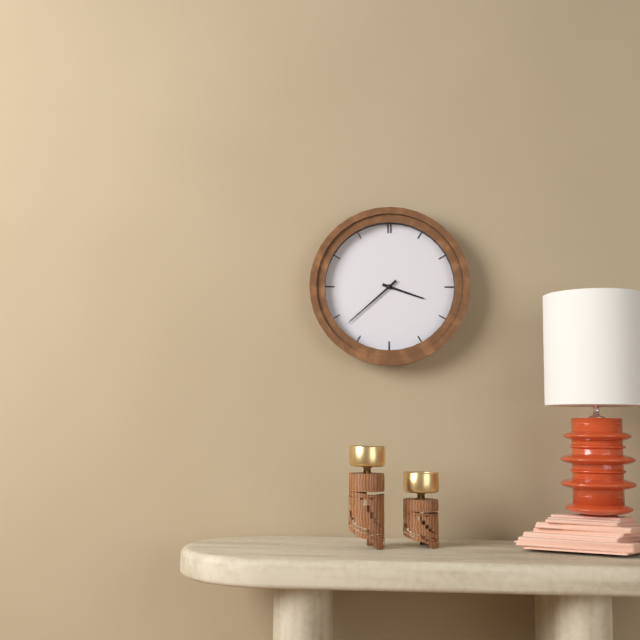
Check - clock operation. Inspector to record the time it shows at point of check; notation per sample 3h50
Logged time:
3h38
